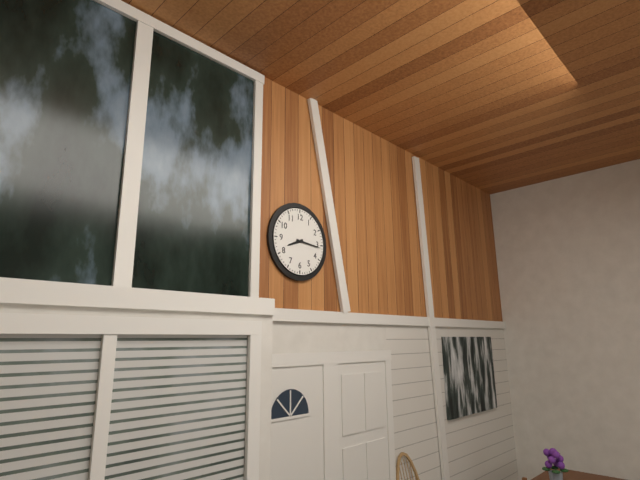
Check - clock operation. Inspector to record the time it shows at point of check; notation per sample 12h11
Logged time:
8h16
